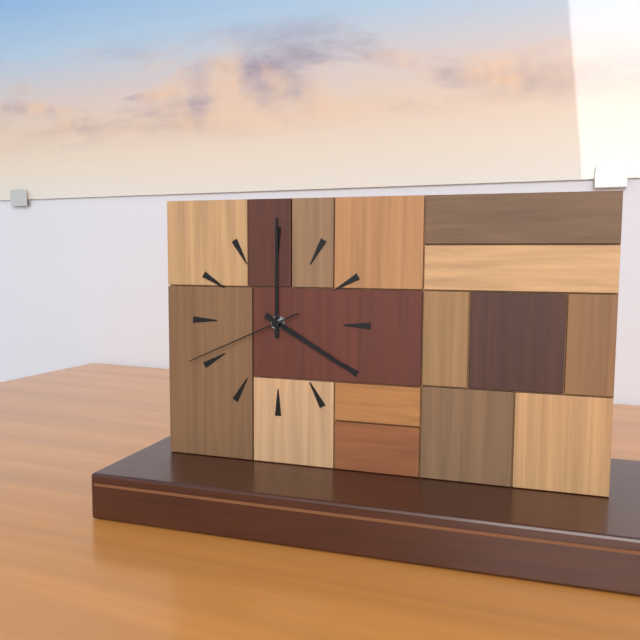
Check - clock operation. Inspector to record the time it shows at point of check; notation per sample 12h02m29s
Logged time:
4h00m41s
